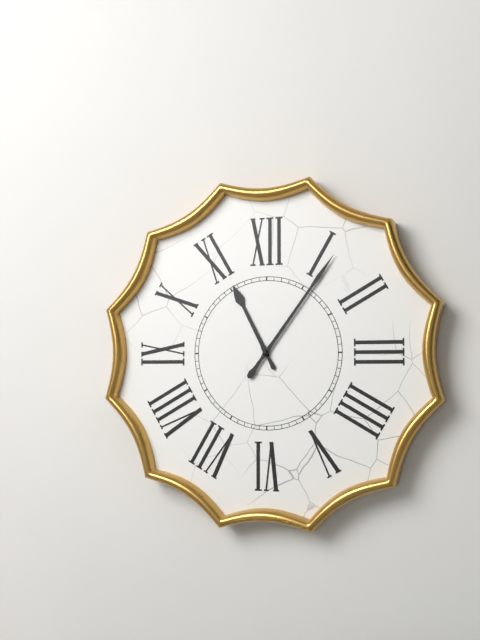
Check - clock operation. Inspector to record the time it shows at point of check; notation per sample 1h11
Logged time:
11h06
